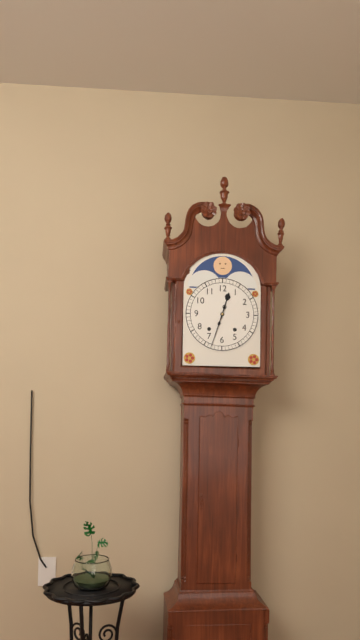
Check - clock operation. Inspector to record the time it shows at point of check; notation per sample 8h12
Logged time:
12h33
